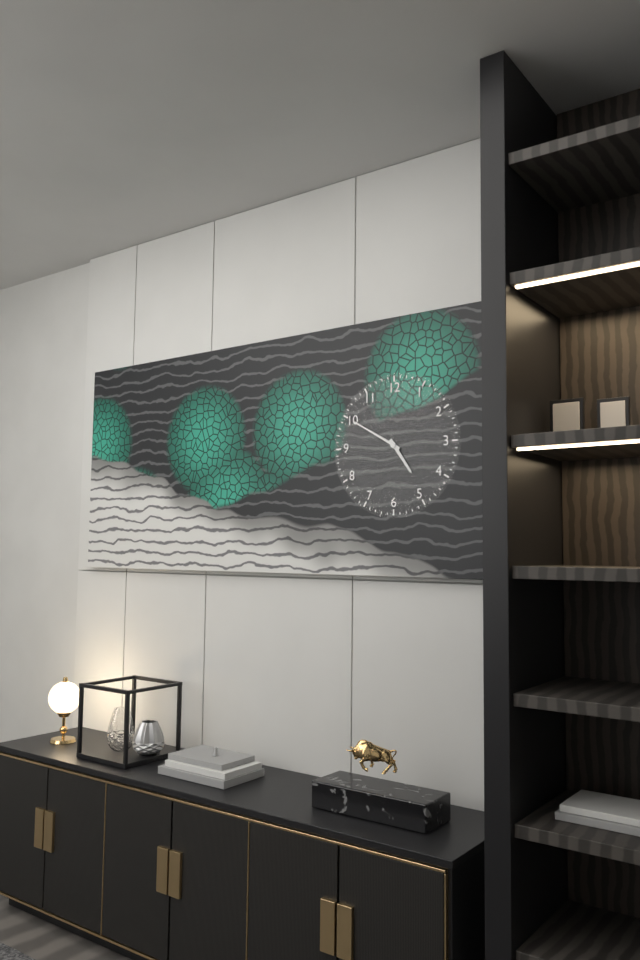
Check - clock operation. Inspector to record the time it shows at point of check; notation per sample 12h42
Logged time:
4h50
